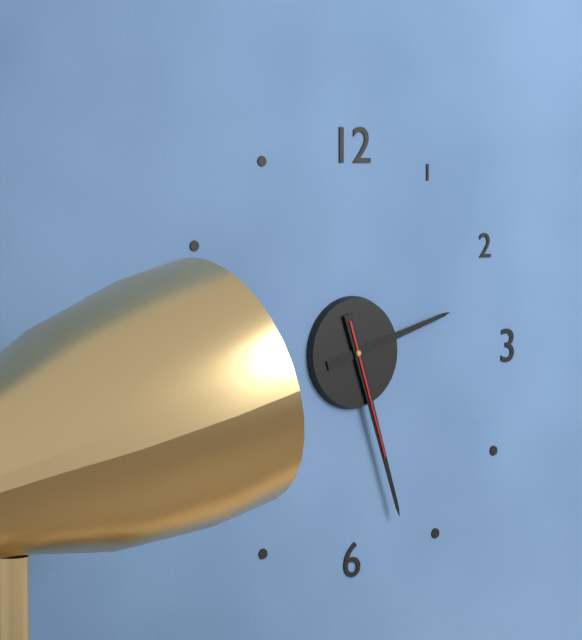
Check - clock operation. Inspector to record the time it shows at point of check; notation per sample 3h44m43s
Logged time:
2h27m27s
